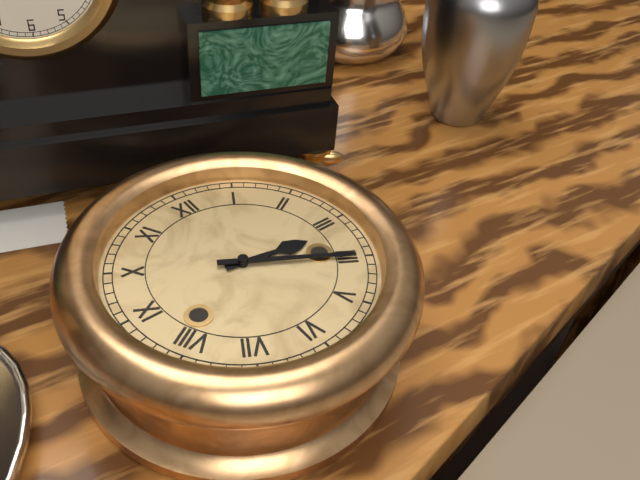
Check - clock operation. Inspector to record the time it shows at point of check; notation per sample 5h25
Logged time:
3h20
